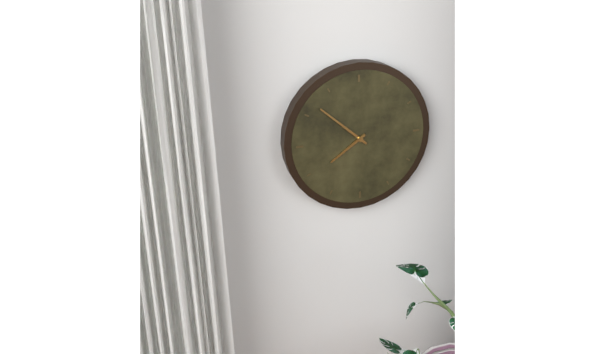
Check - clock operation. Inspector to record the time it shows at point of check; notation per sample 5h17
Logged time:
7h52
